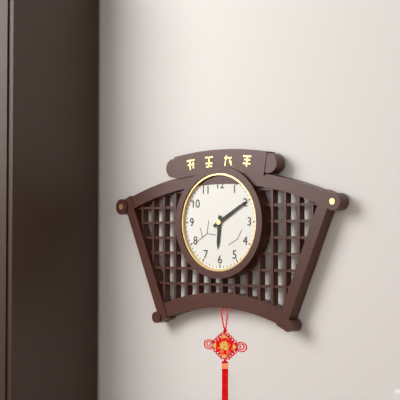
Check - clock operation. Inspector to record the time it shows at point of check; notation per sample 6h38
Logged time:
6h10
